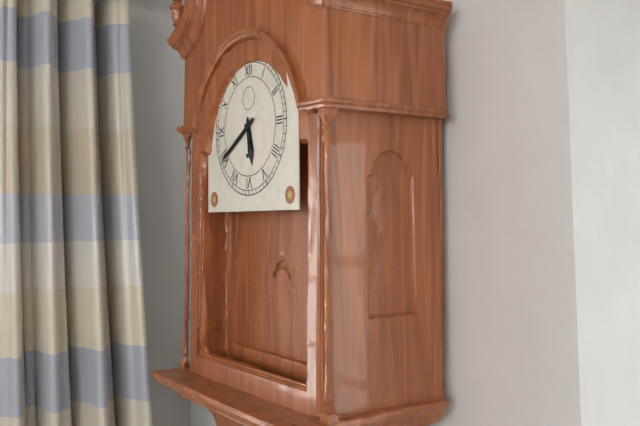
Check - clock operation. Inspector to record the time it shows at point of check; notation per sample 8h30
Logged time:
5h40
